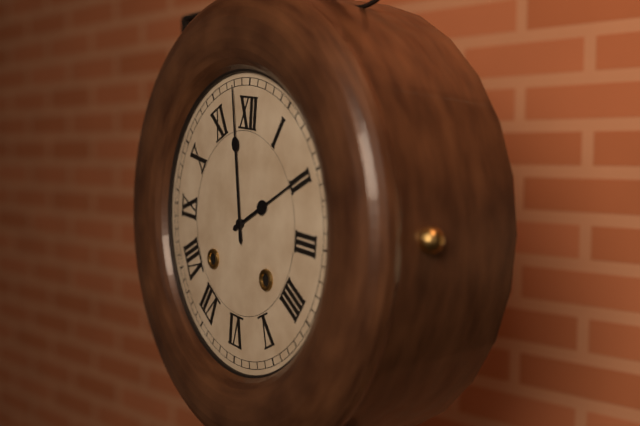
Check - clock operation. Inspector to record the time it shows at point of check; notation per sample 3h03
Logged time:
1h58
